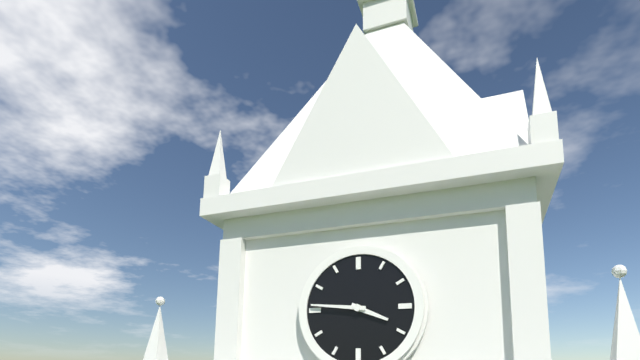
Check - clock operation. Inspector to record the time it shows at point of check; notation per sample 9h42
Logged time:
3h46
